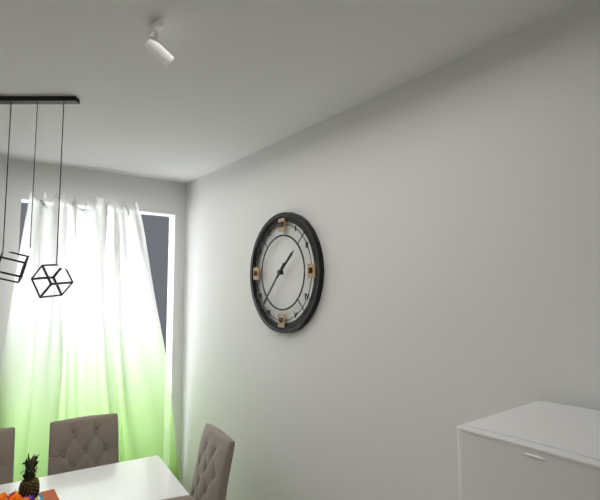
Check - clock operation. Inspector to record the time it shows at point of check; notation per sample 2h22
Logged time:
1h37
